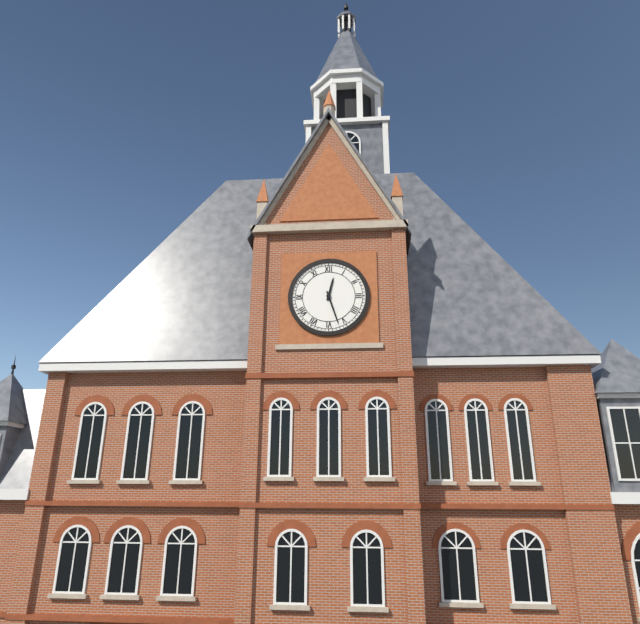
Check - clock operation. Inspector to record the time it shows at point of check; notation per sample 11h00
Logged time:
12h27
